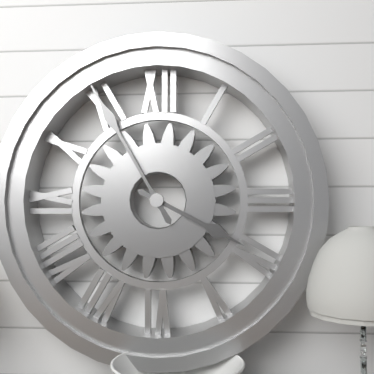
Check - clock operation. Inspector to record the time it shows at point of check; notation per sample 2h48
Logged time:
3h55
